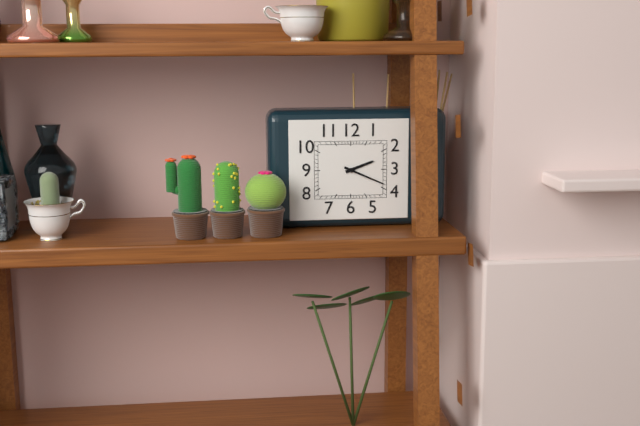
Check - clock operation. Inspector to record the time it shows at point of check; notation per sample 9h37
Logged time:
2h19
